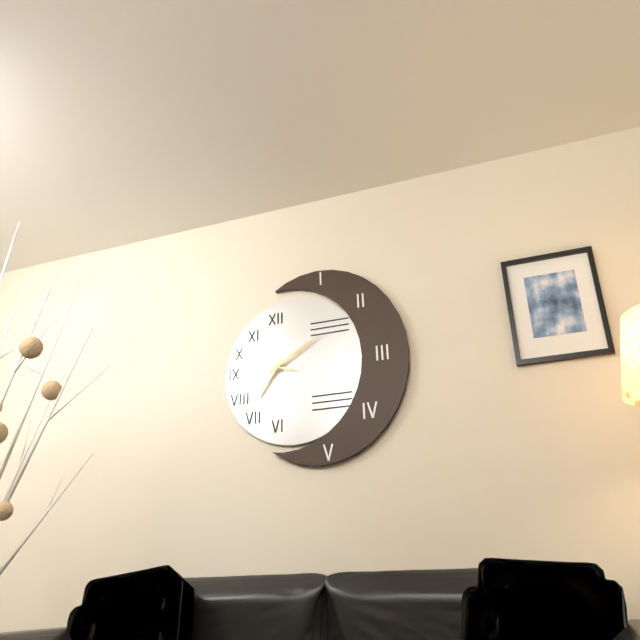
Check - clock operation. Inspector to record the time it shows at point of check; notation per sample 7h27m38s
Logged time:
7h10m47s
